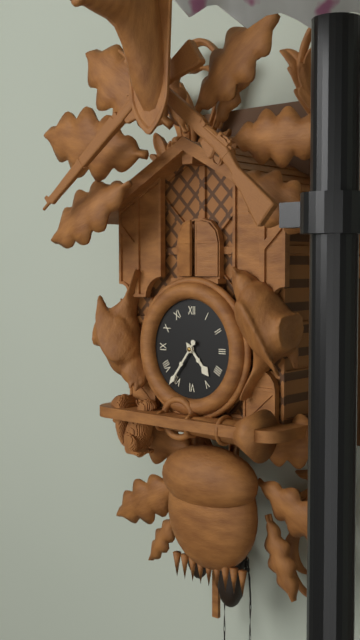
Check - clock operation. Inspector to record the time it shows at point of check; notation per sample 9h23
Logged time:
4h36
